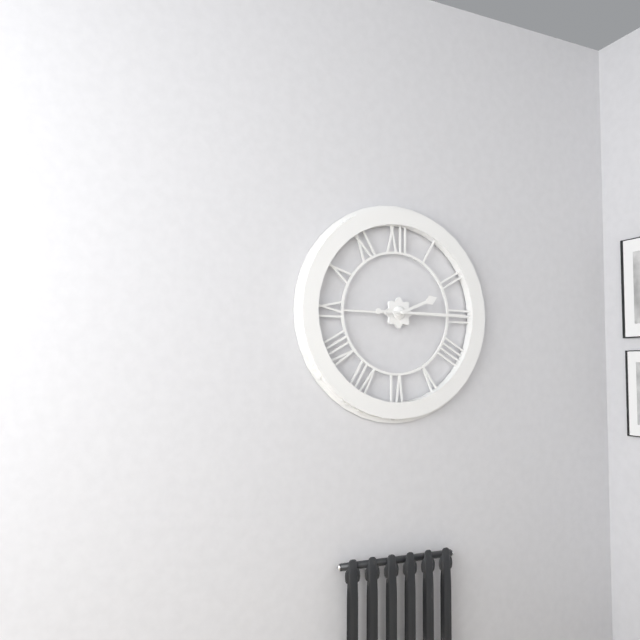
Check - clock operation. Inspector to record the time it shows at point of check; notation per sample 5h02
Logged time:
2h15
